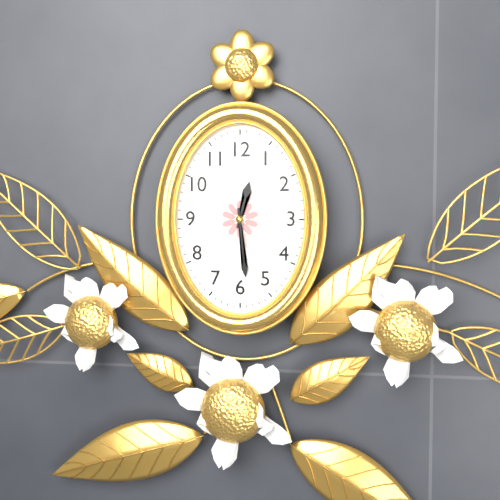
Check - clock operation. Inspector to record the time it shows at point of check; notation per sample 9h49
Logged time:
12h29
